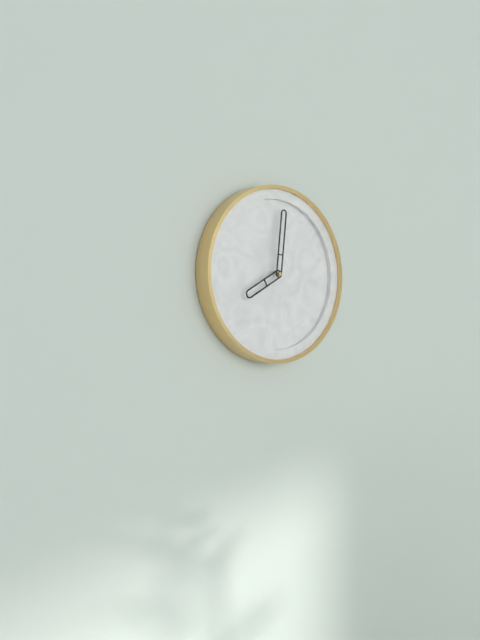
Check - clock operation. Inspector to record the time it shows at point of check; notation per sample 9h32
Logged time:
8h01
